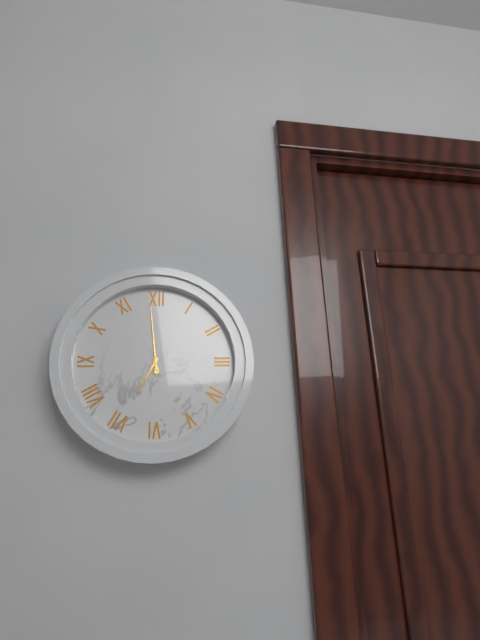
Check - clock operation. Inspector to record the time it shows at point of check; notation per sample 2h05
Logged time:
6h59
